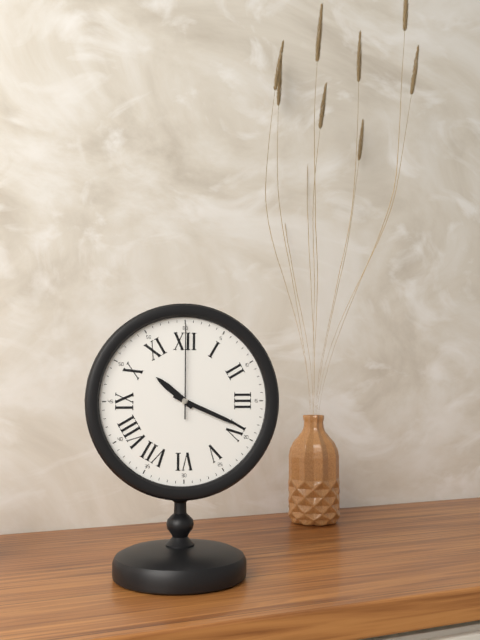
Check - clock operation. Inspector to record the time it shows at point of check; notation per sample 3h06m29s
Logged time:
10h19m00s
